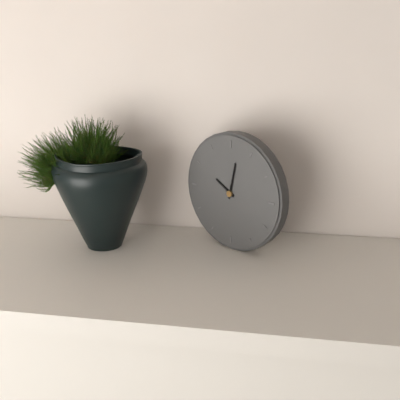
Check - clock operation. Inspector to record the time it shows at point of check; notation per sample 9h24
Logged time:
10h02
